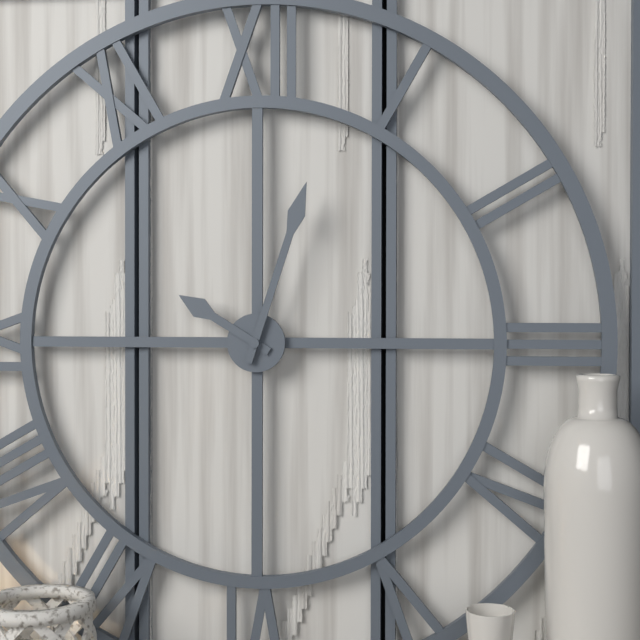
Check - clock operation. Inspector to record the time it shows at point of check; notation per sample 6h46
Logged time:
10h03
